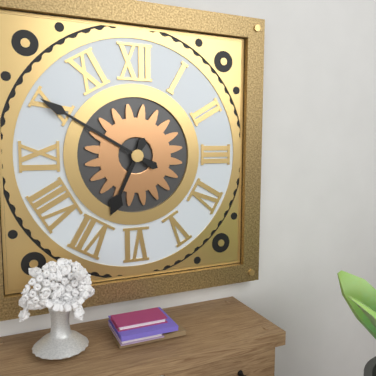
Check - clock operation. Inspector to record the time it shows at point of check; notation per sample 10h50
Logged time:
6h50
